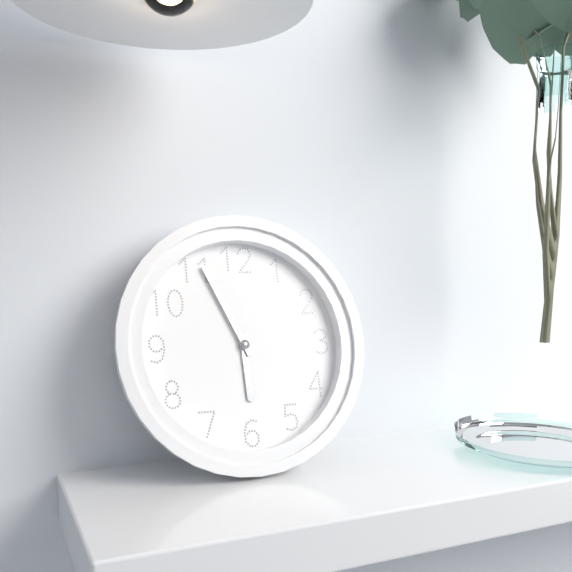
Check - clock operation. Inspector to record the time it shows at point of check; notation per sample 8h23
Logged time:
5h56
